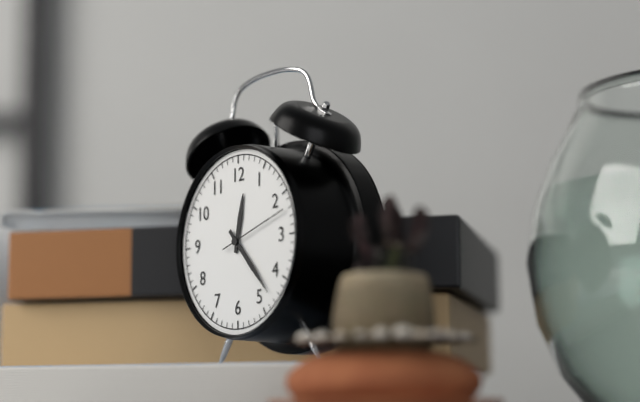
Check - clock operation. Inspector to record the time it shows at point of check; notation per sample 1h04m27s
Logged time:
12h23m12s
